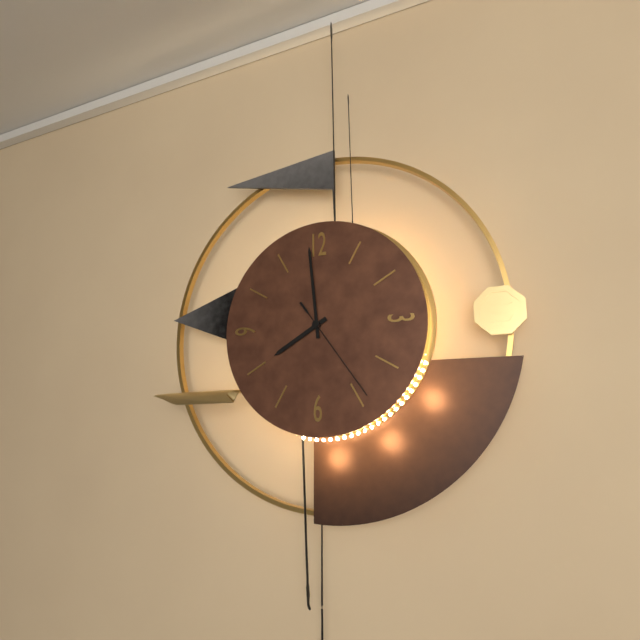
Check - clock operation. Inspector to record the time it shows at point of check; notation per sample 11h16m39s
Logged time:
7h59m24s
